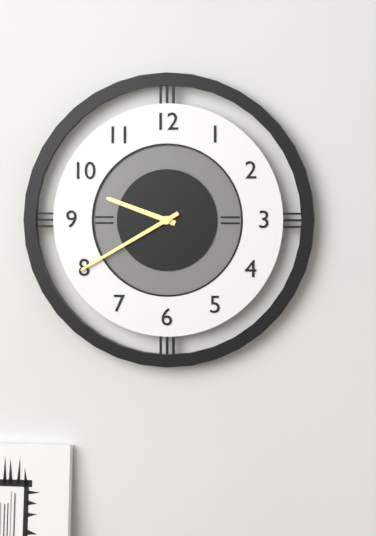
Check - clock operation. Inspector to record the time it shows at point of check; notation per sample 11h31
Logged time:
9h40
